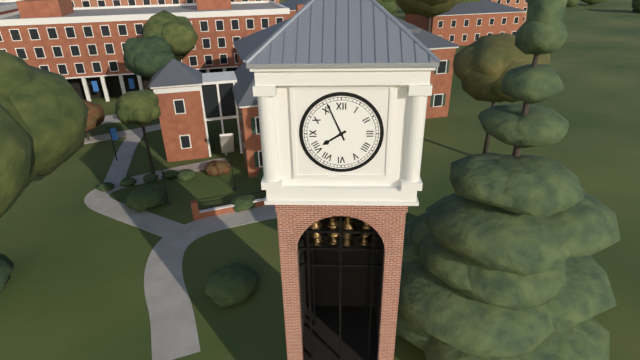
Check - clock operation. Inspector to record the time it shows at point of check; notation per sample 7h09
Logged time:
7h56
